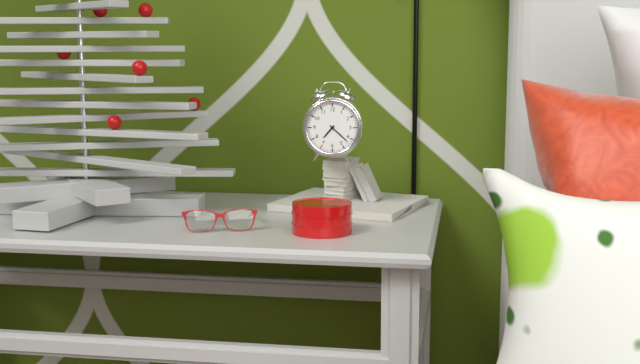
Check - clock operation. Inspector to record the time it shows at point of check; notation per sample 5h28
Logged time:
7h22
